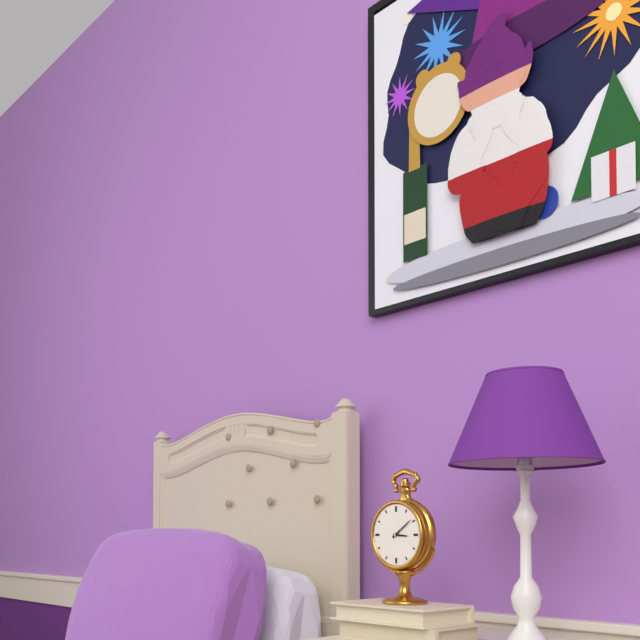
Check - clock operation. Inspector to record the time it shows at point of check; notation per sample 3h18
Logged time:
3h09
